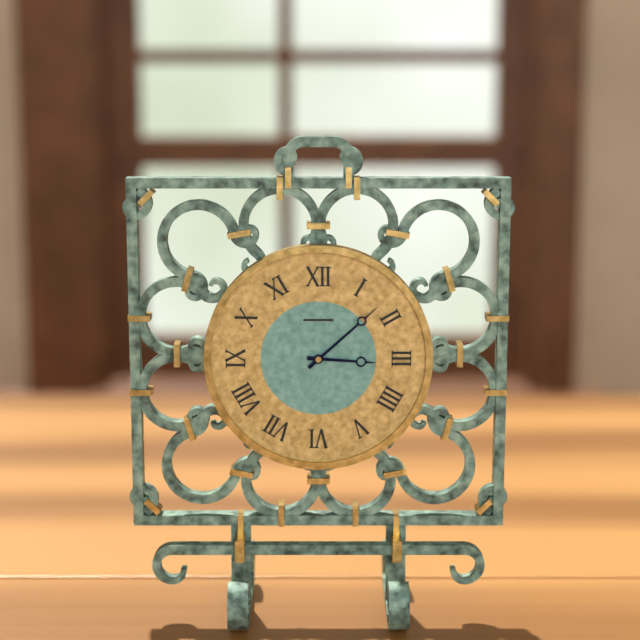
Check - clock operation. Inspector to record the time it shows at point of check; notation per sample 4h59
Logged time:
3h08
